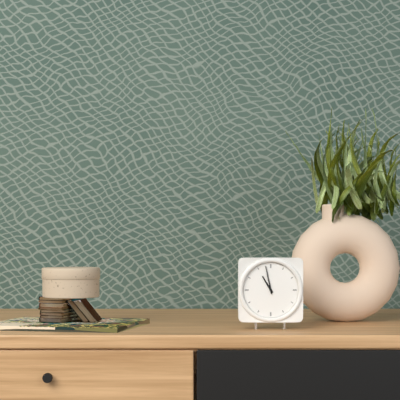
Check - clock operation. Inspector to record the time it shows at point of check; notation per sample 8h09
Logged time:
10h58
